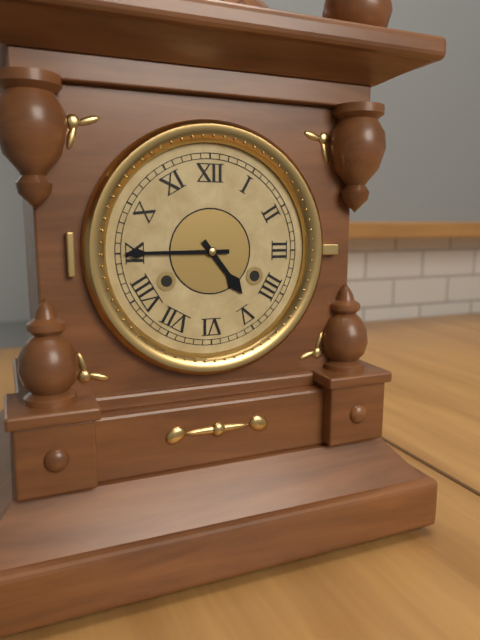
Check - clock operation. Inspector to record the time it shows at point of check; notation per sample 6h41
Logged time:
4h45
